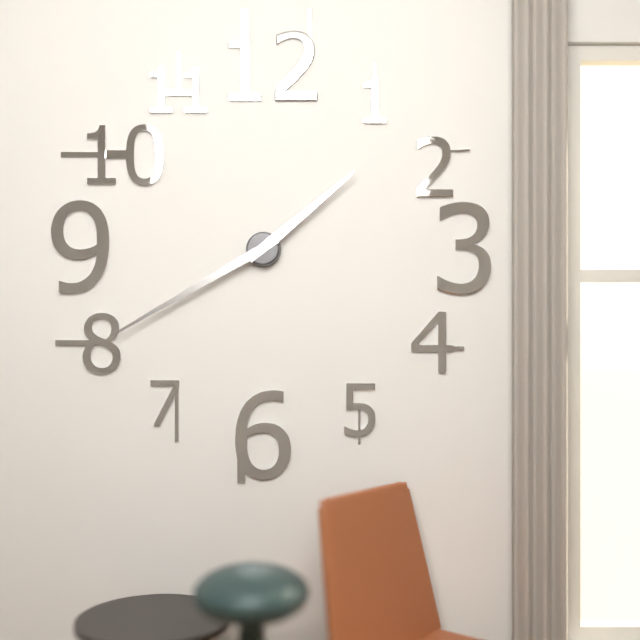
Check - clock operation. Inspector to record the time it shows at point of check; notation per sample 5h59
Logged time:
1h40
